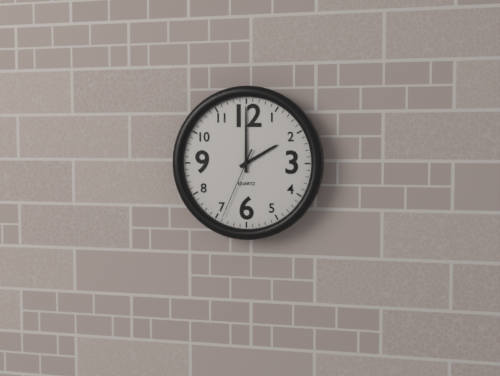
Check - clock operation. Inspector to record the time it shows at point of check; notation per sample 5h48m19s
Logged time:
2h00m34s
